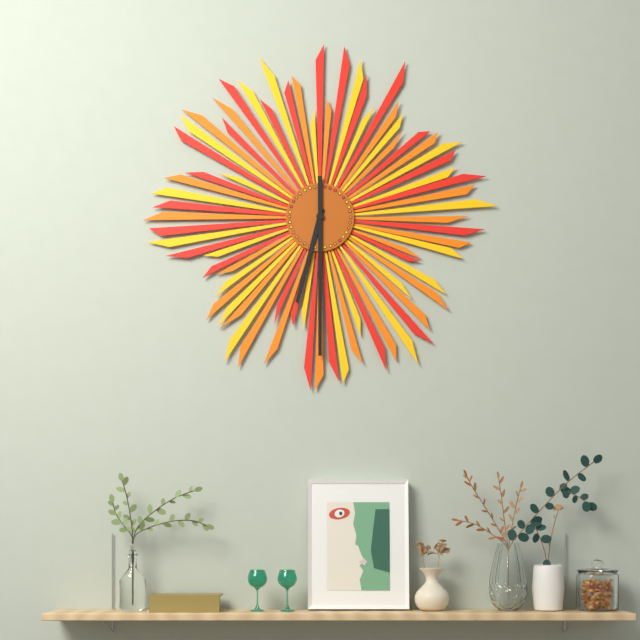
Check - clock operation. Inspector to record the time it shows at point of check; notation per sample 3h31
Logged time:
6h30
